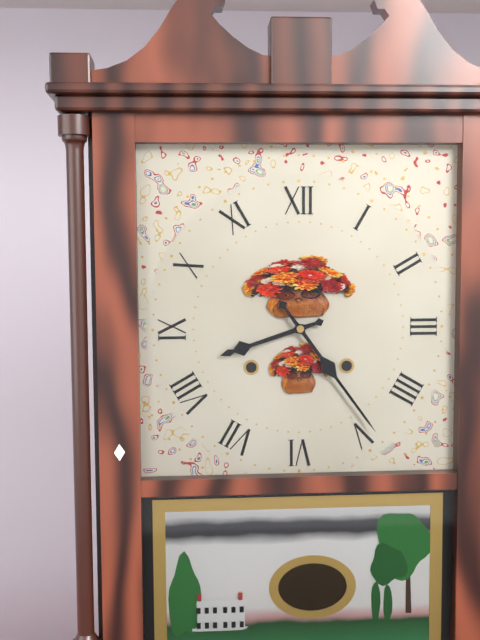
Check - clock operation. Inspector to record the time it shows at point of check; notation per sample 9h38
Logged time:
8h24
